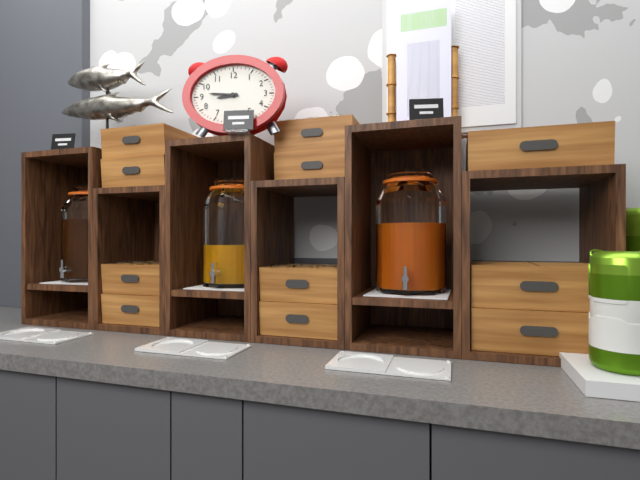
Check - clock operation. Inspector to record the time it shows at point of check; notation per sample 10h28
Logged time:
8h46
